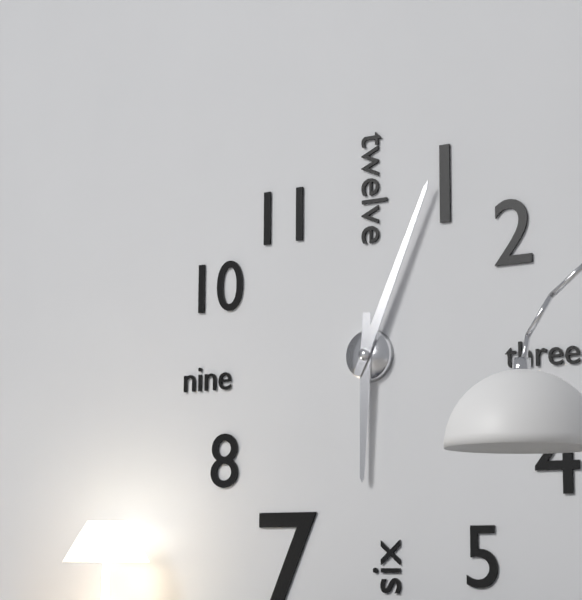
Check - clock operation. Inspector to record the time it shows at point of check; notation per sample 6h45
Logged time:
6h04
